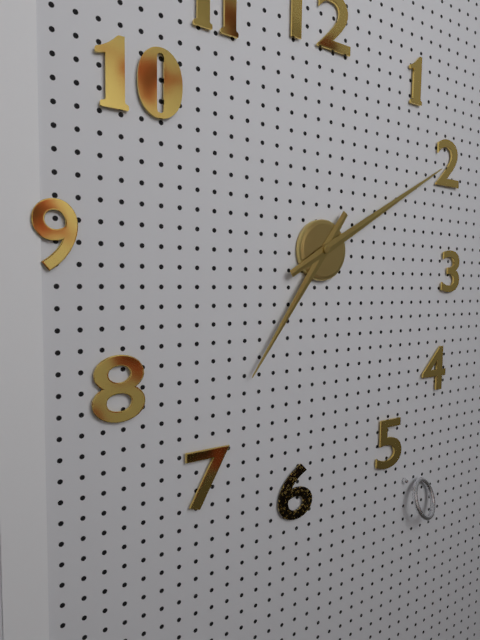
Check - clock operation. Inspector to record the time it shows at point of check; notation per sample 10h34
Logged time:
7h10
